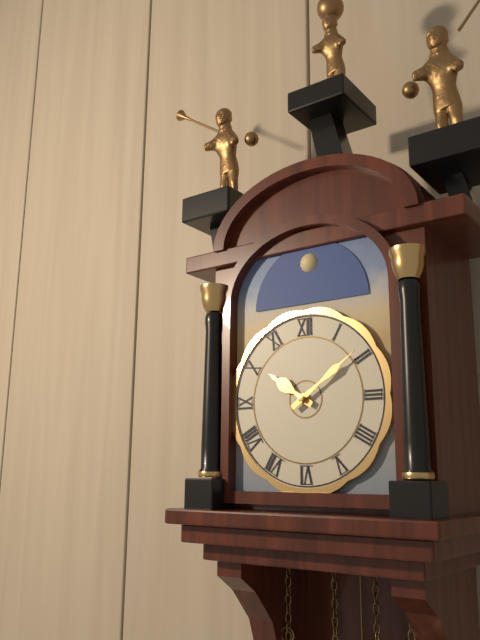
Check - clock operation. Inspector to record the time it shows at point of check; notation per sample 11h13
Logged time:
10h09
